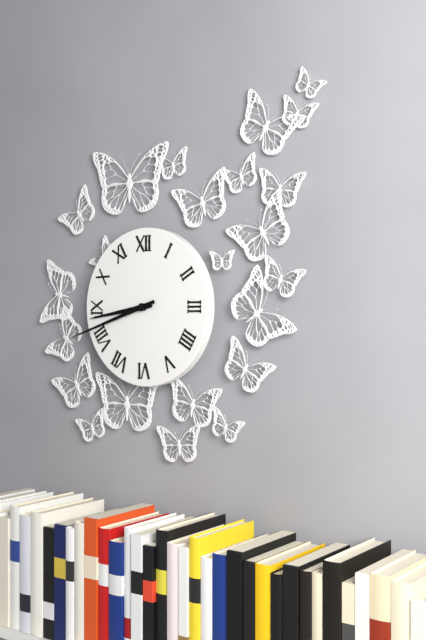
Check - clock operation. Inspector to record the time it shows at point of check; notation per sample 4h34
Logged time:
8h42
